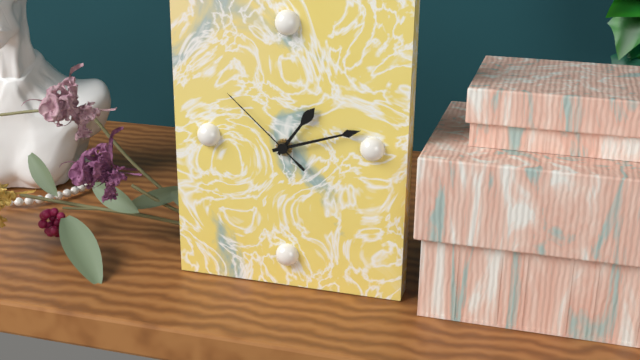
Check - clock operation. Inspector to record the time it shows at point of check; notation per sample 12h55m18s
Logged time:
1h12m52s
